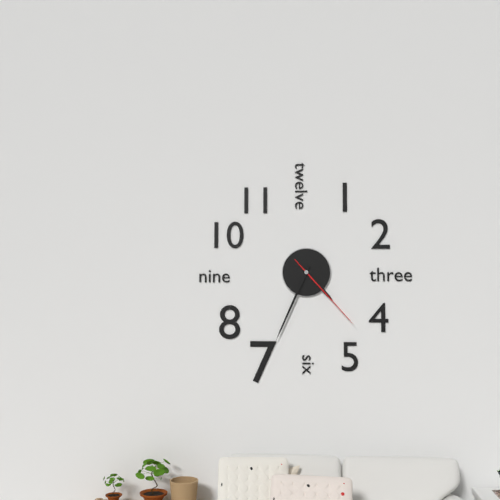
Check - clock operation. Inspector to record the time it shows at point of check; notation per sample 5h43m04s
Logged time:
4h34m23s
